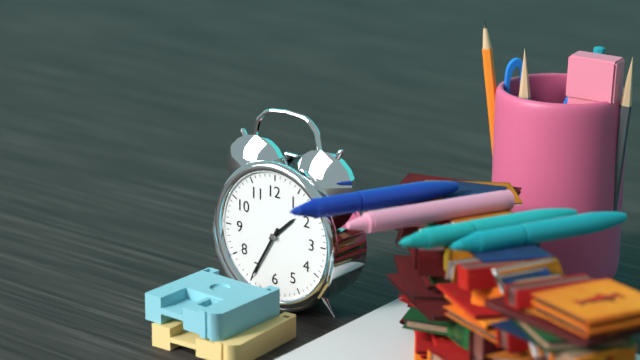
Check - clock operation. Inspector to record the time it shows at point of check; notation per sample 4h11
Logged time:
1h35
